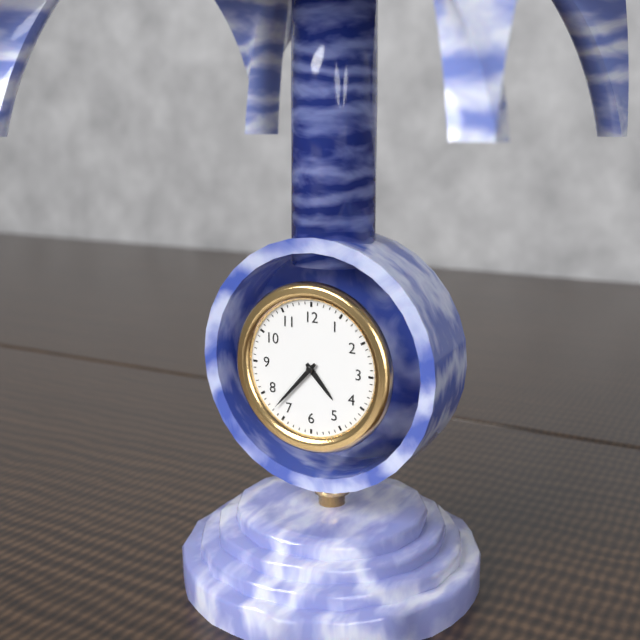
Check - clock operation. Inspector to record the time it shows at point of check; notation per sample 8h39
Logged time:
4h37
